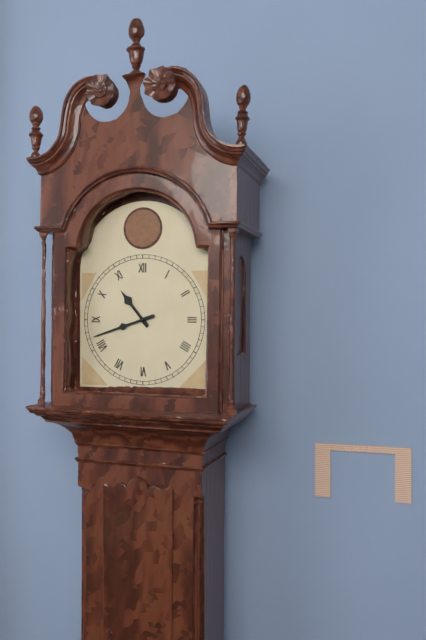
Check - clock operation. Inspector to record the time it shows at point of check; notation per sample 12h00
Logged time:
10h42
